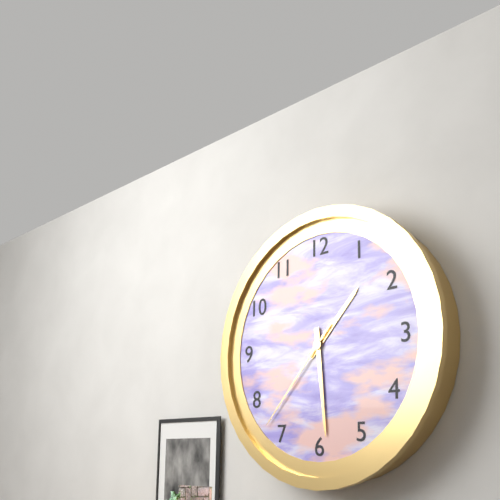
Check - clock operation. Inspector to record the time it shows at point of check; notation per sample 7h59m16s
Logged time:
1h29m37s
